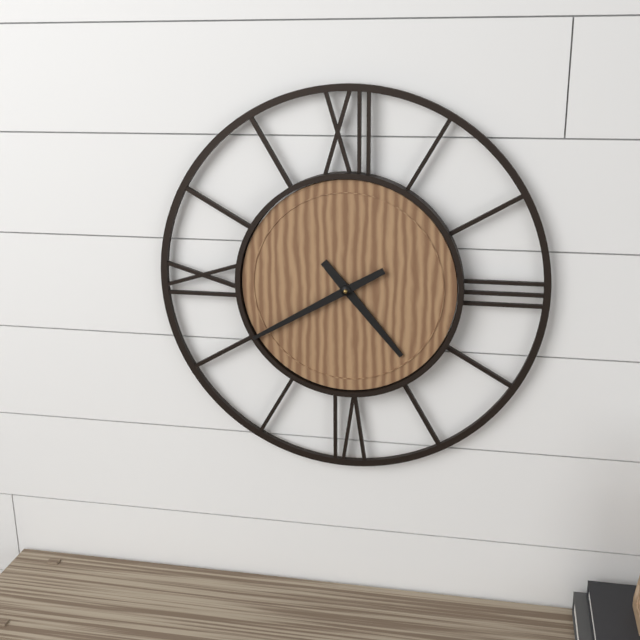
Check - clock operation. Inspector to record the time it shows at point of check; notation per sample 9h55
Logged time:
4h40
